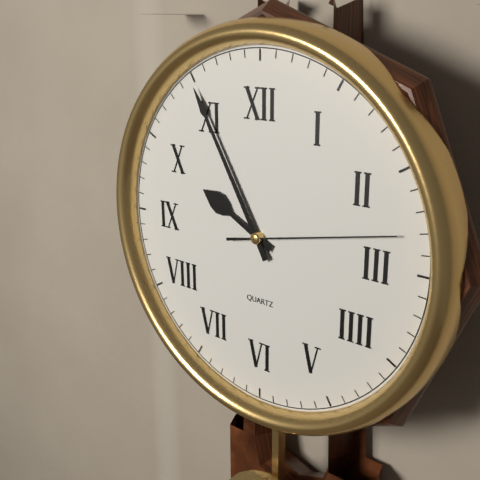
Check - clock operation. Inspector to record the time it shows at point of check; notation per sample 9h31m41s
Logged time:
9h55m13s
